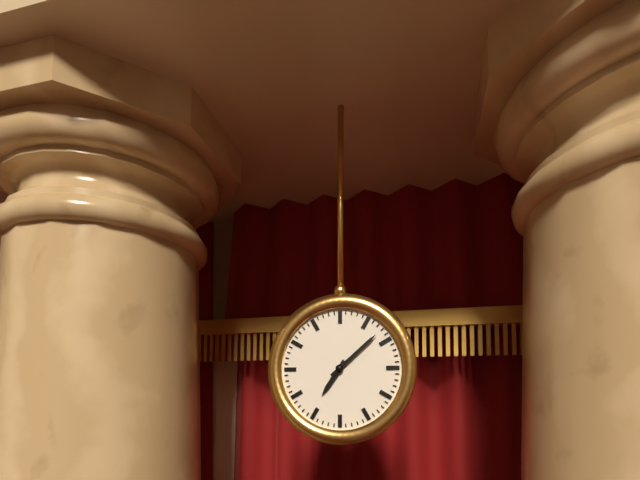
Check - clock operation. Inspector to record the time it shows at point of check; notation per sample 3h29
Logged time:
7h08
